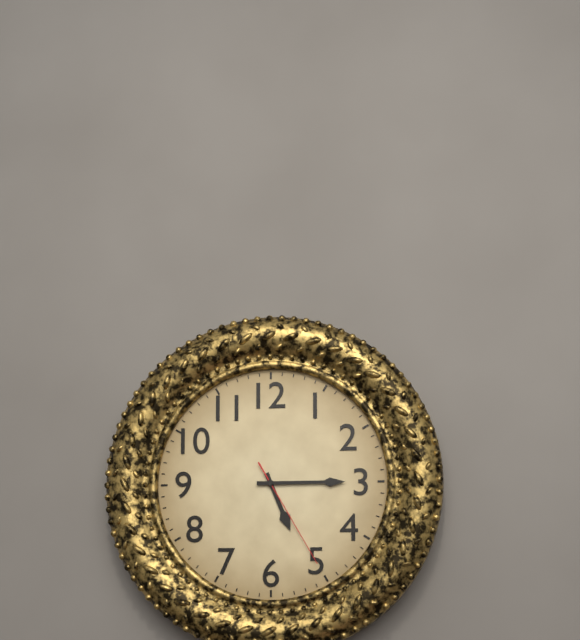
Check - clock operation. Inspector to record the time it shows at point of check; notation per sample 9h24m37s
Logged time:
5h15m25s
